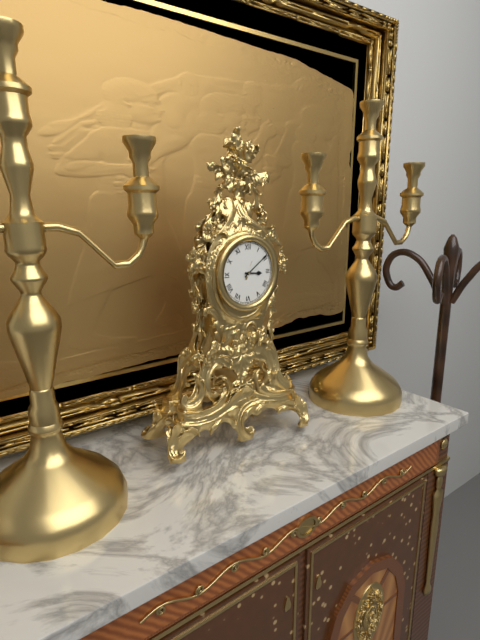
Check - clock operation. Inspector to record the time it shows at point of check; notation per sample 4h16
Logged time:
3h09
